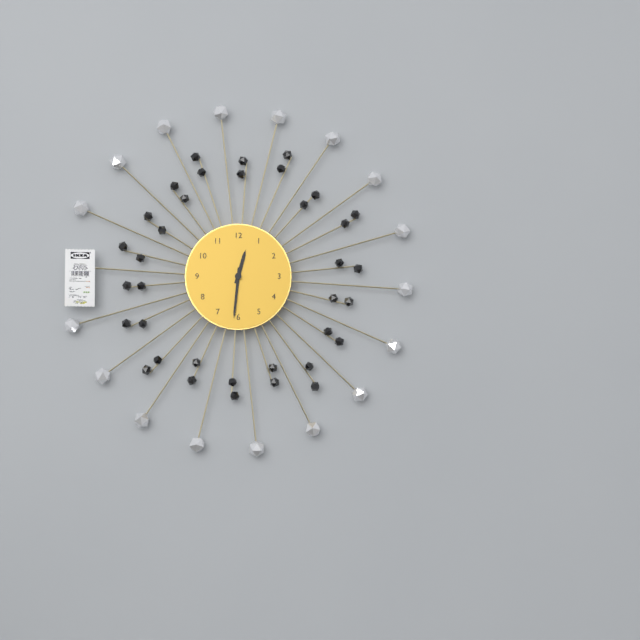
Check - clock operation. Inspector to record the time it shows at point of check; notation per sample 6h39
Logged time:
12h31
